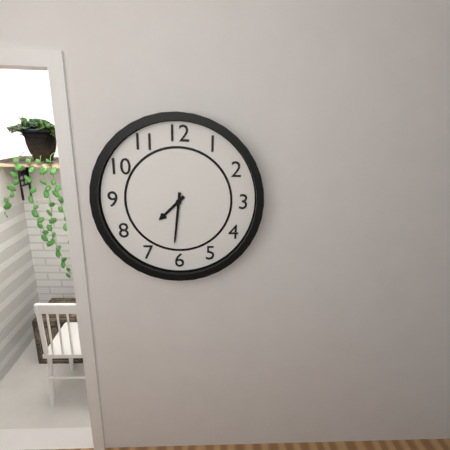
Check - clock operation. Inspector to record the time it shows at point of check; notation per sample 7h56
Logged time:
7h31
